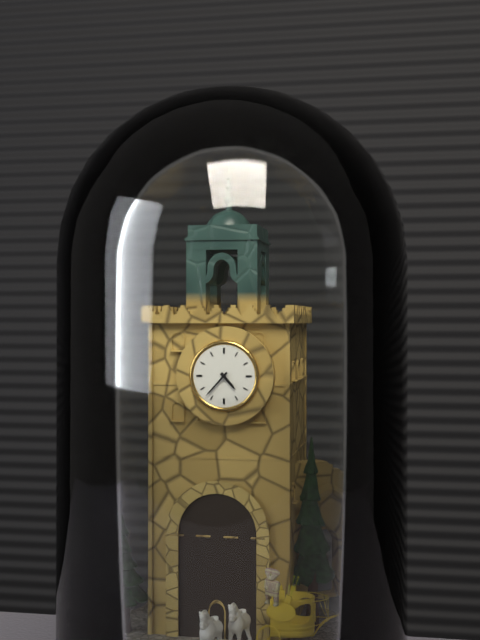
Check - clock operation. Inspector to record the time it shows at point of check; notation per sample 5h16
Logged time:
4h37
